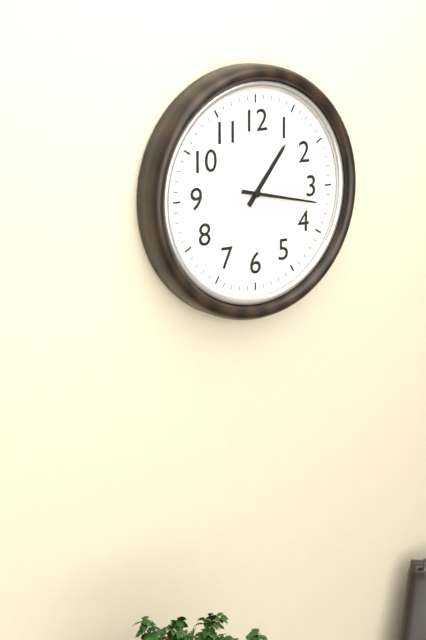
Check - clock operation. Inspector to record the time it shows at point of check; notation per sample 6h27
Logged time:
1h17
